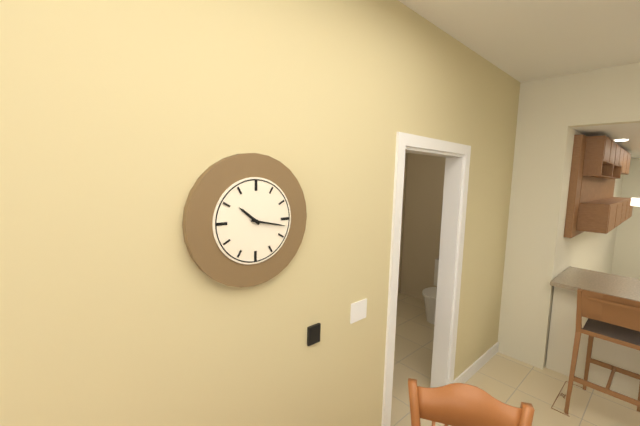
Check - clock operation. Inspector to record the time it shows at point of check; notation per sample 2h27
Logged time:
10h17
